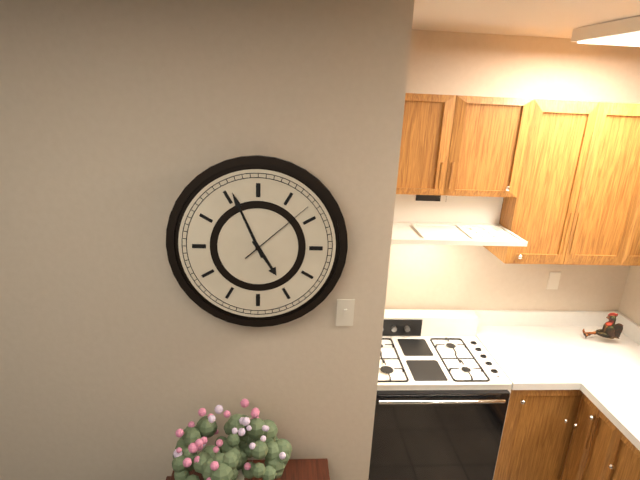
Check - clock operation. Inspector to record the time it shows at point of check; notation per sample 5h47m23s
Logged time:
4h56m08s
